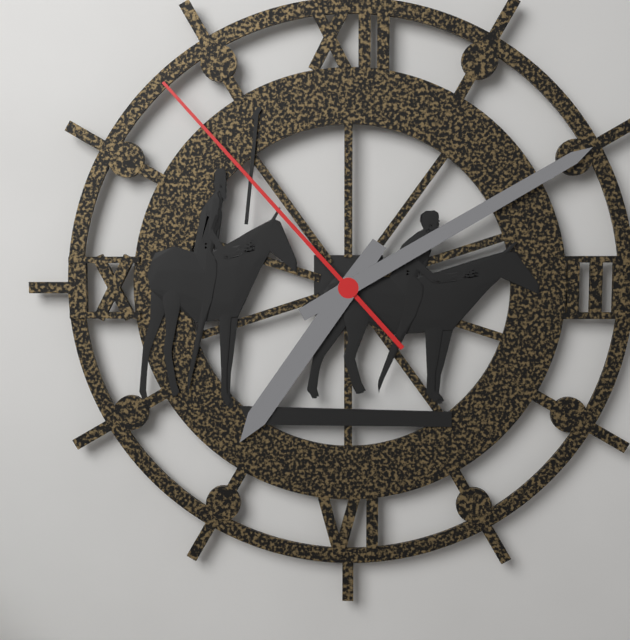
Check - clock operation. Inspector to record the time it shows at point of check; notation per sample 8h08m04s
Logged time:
7h10m53s
